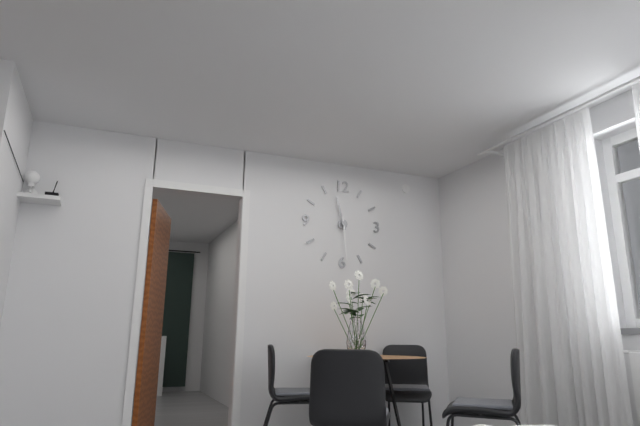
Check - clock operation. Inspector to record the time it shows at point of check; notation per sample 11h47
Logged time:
11h29
